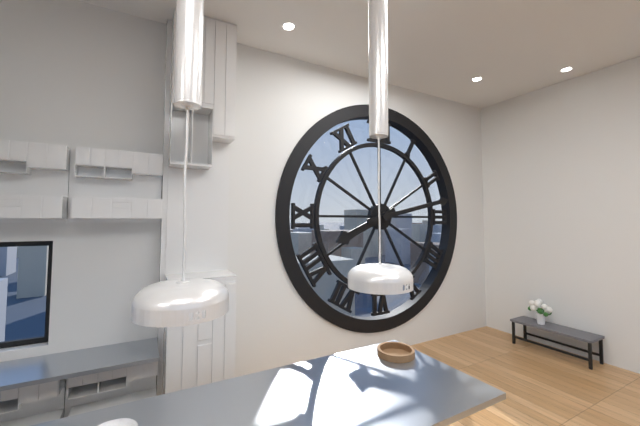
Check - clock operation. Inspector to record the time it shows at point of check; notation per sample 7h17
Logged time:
8h13
